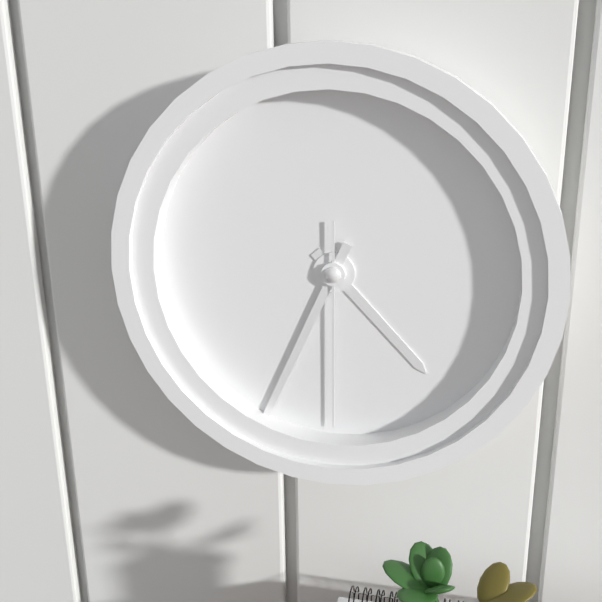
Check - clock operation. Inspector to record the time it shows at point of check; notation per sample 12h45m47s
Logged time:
4h34m30s
